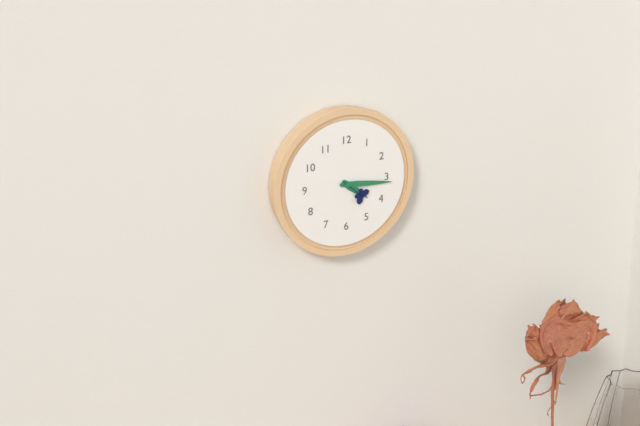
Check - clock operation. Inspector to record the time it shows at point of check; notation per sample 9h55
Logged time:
4h16
